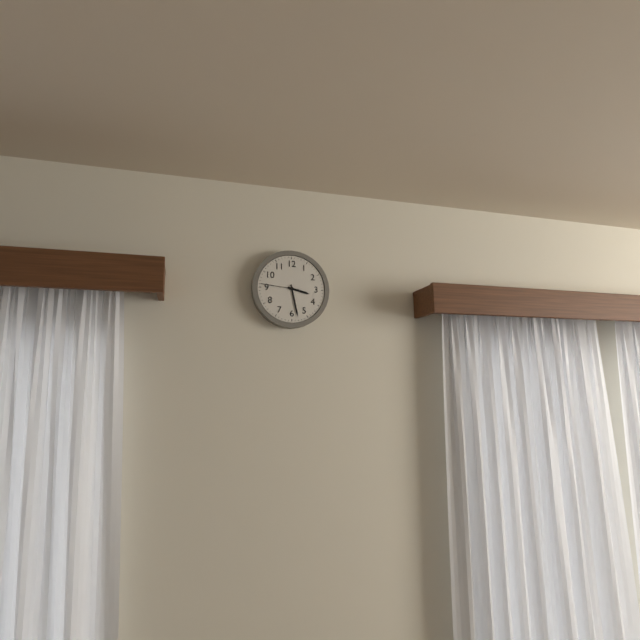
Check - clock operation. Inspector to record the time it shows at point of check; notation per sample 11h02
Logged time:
3h28
